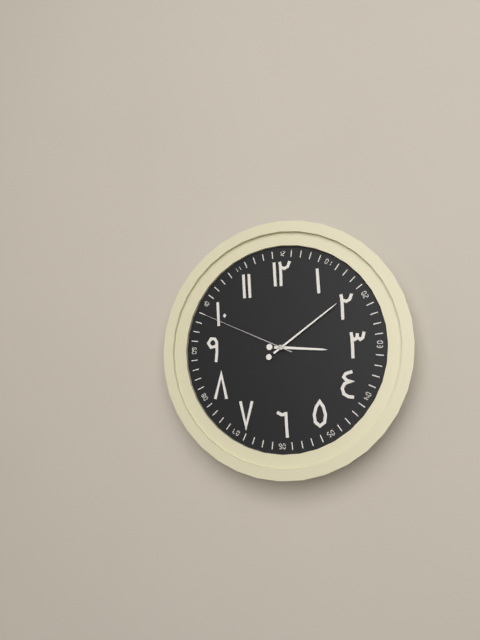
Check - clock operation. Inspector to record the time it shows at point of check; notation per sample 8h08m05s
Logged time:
3h09m49s
